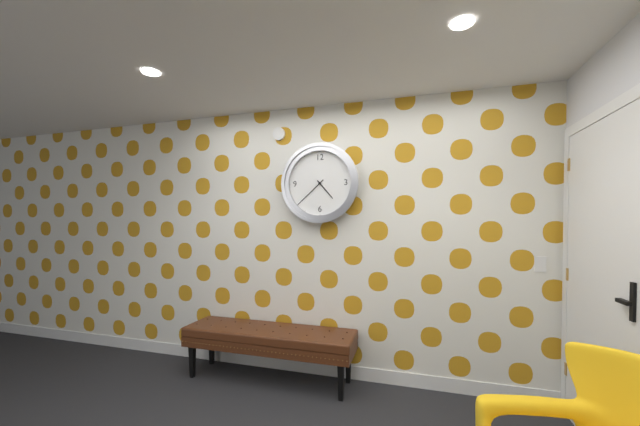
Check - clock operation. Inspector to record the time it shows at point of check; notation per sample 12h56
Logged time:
4h38
